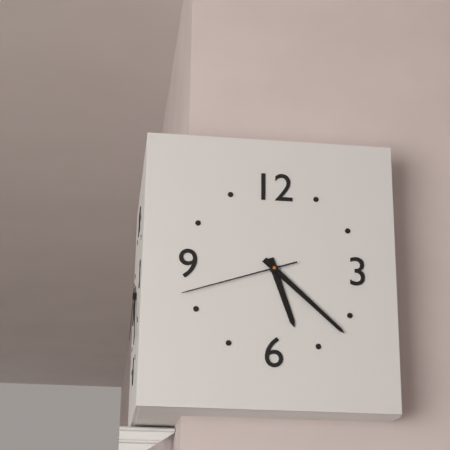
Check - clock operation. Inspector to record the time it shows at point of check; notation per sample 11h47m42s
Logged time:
5h22m42s
